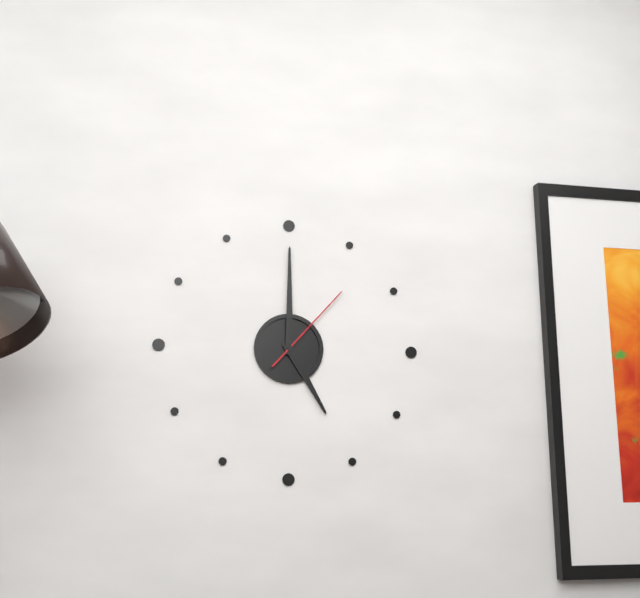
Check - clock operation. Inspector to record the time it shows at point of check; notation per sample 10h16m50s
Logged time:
5h00m07s
